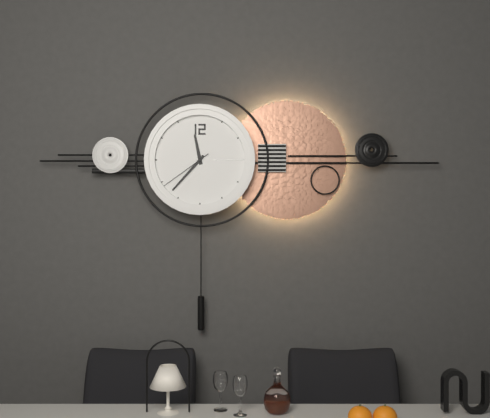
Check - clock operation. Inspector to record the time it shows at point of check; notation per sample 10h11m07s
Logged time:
11h37m39s
